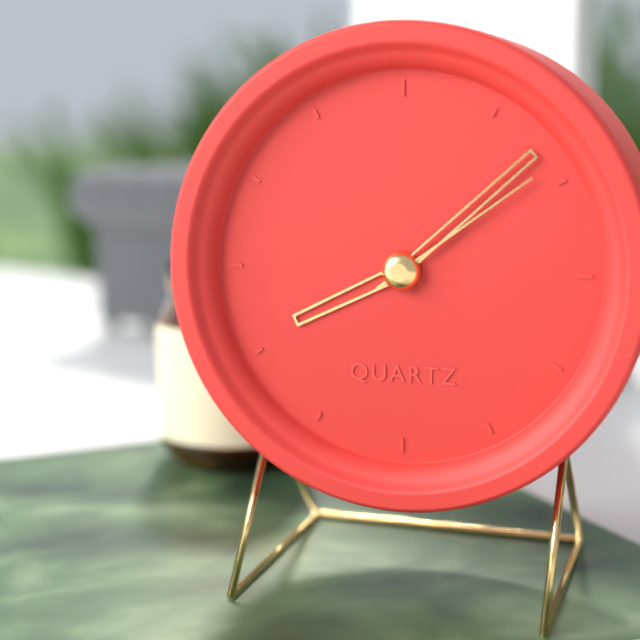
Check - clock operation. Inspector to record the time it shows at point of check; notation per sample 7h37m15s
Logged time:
8h08m09s
